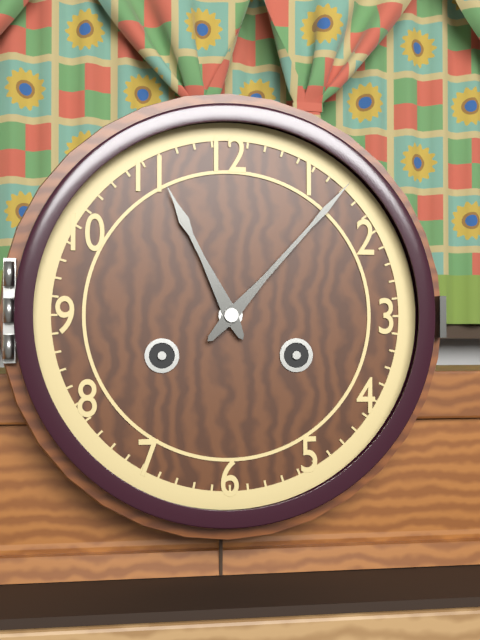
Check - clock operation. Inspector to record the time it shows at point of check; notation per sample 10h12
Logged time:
11h07
